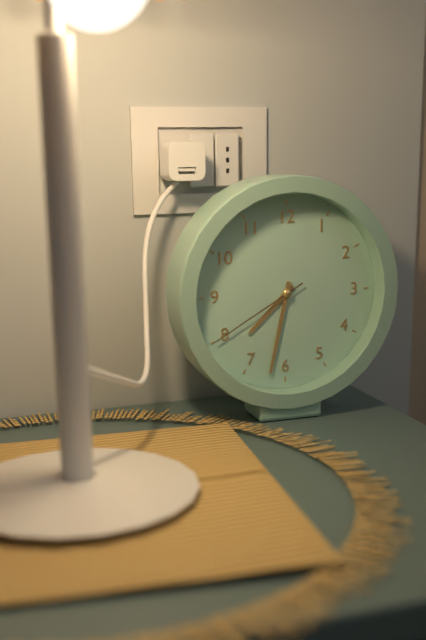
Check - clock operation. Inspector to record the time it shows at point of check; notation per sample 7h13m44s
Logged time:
7h32m40s
